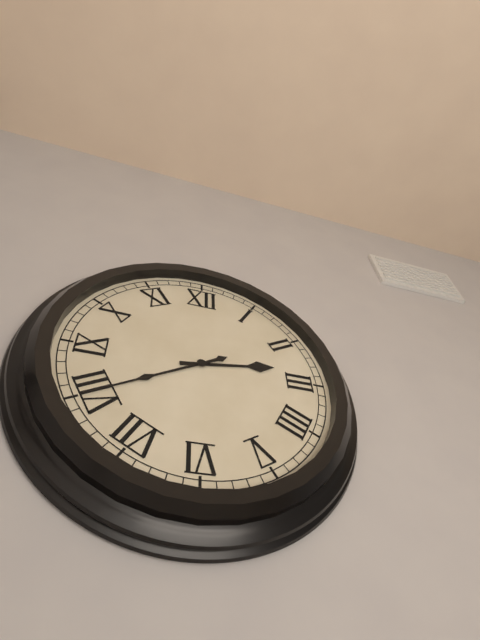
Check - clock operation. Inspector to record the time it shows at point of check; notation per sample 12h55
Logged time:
2h40
